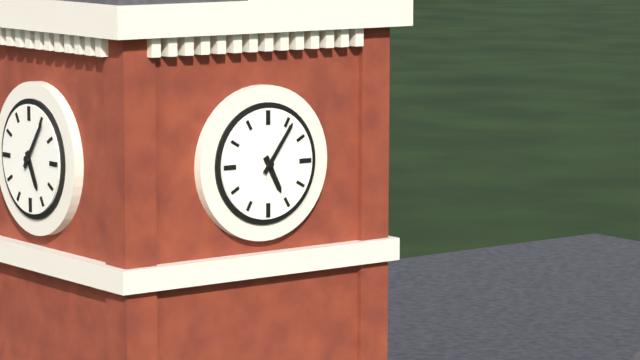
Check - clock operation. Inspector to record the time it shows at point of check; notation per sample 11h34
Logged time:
5h06
